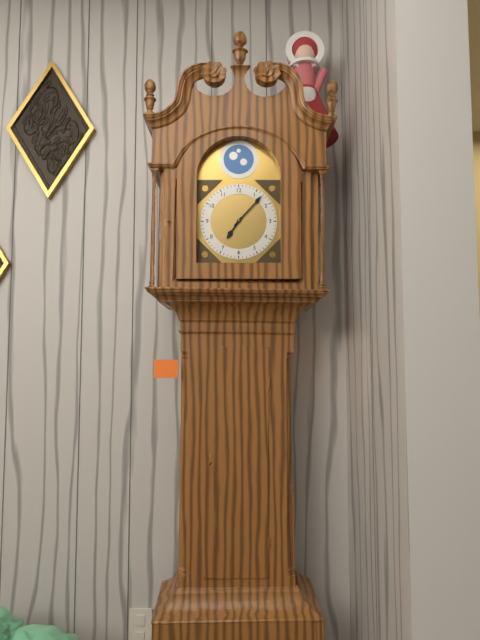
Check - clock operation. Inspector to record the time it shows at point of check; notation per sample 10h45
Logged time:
7h07
